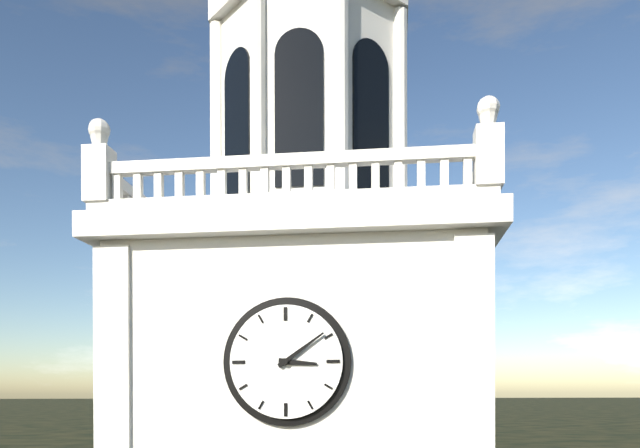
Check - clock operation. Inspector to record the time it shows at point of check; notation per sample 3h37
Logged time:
3h09
